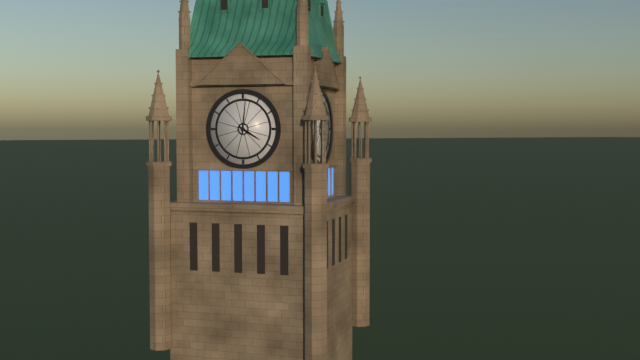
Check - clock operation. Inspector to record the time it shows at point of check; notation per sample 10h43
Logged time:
4h01
